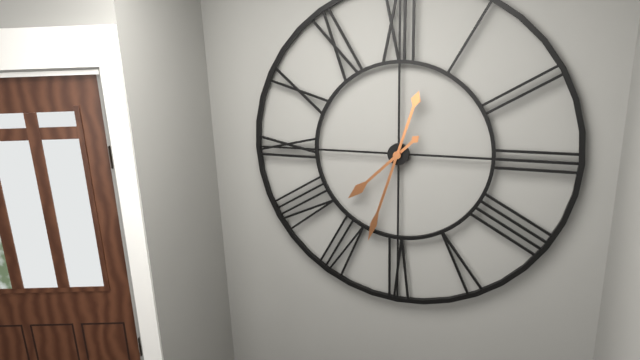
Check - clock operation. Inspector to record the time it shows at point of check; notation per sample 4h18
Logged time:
7h33
